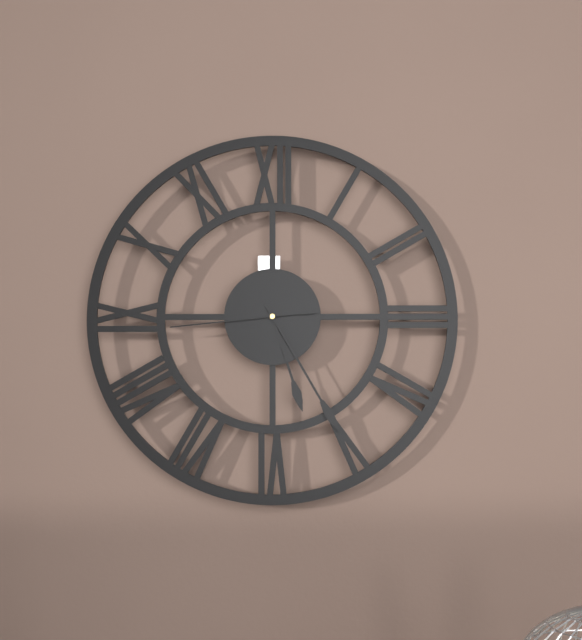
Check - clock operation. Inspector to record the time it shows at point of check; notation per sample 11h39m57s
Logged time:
5h25m44s
